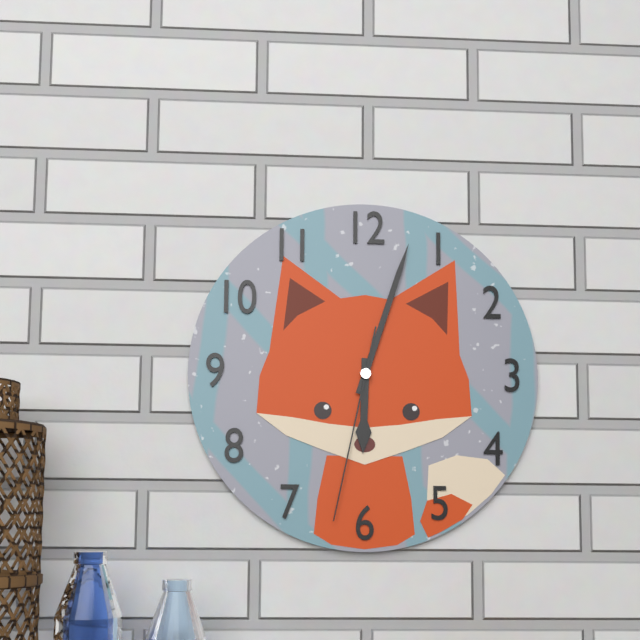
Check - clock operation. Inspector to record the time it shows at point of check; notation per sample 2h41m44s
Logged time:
6h03m32s
